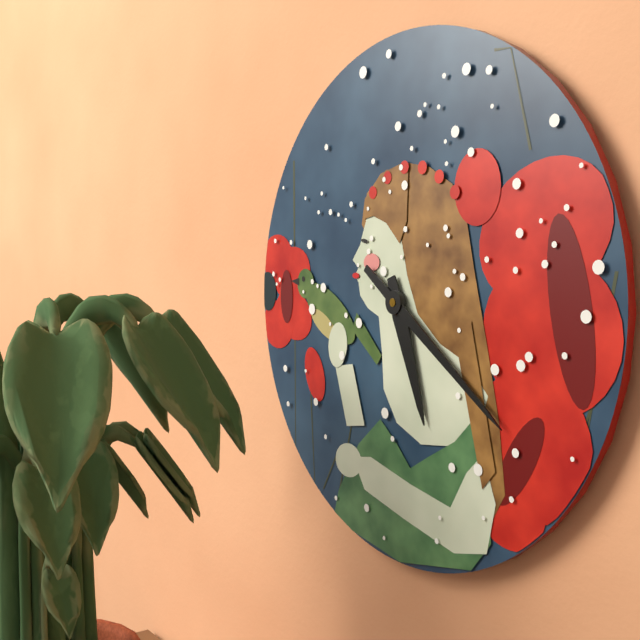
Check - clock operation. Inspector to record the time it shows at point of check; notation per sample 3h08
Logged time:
5h21
